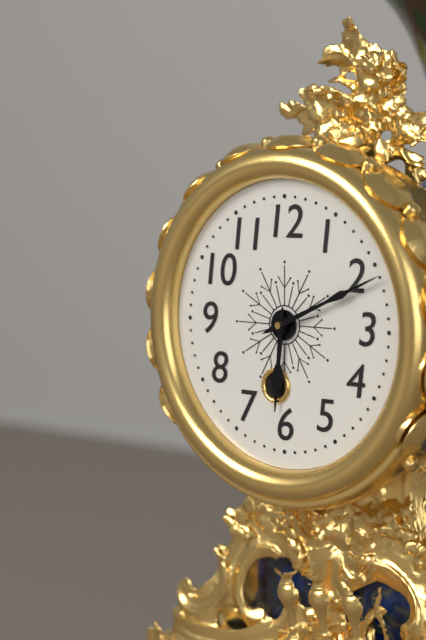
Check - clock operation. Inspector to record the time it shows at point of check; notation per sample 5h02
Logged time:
6h11
